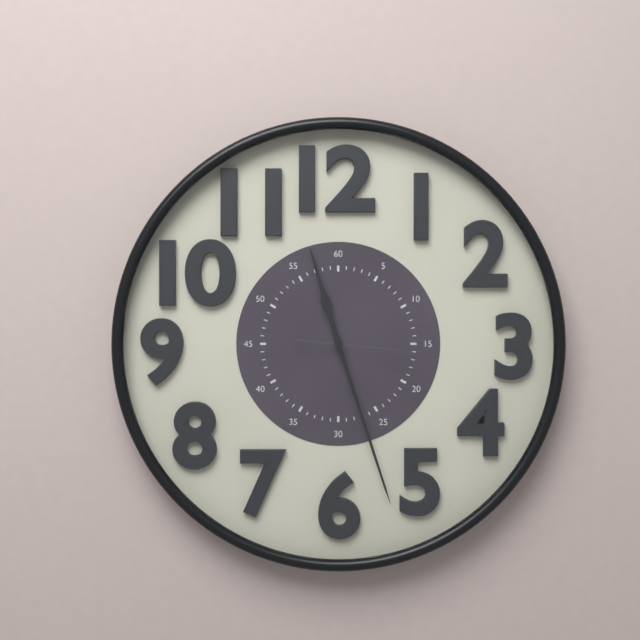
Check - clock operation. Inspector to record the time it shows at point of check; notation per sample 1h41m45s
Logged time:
11h27m16s
